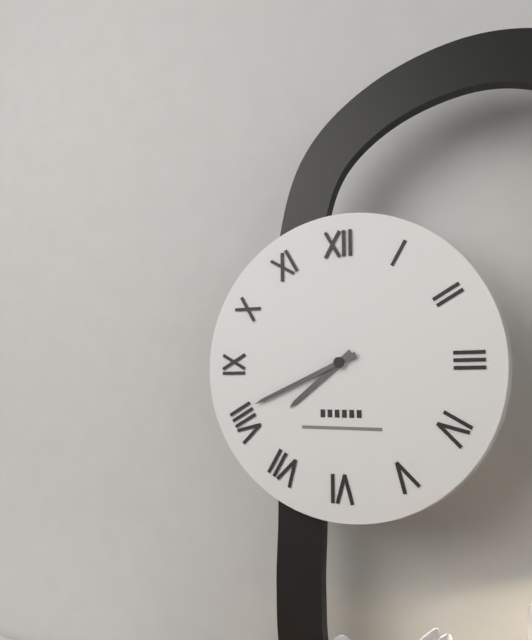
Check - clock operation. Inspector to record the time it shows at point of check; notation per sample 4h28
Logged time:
7h41
